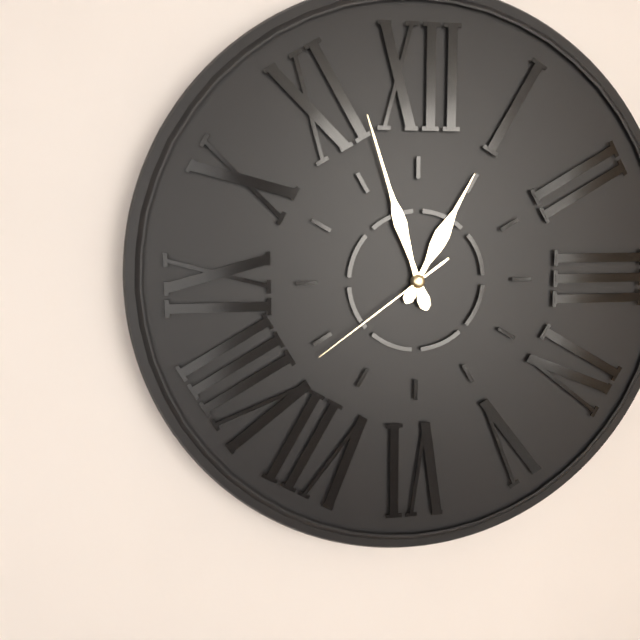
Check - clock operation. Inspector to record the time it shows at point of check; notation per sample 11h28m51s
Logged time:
12h57m39s
